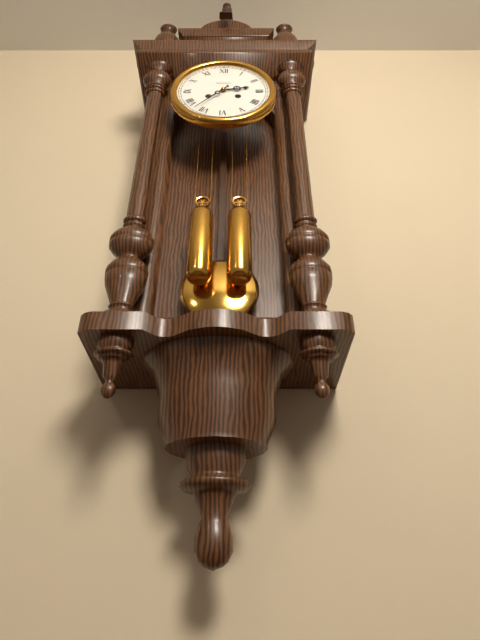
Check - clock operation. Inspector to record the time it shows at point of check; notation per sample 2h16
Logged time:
2h37
